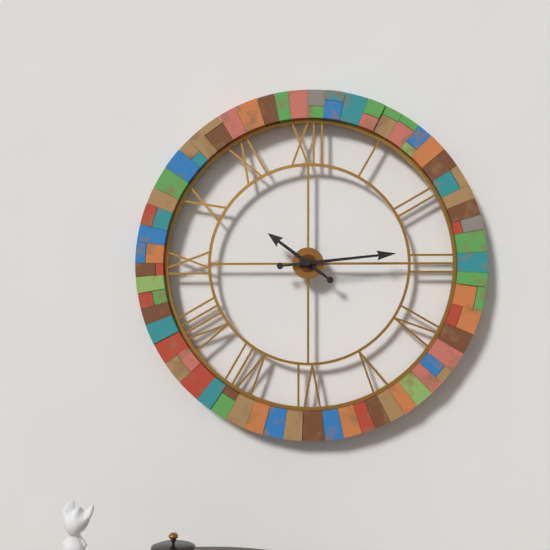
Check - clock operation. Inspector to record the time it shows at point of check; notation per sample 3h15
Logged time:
10h14
